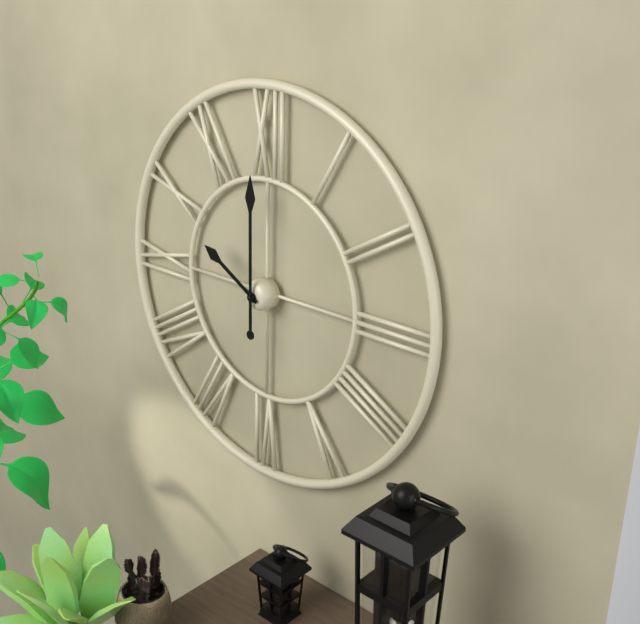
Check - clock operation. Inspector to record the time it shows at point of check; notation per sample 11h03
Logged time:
10h00
